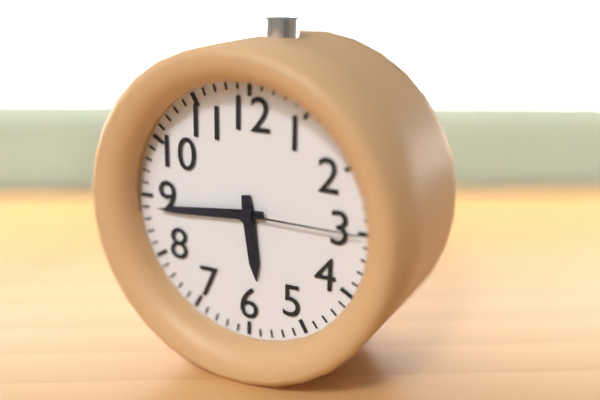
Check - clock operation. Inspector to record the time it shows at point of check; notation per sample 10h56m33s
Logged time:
5h44m15s
